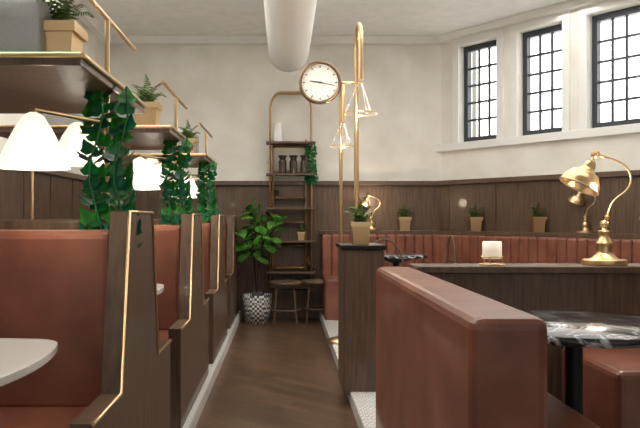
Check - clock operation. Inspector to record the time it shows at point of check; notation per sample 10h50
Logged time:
9h17
